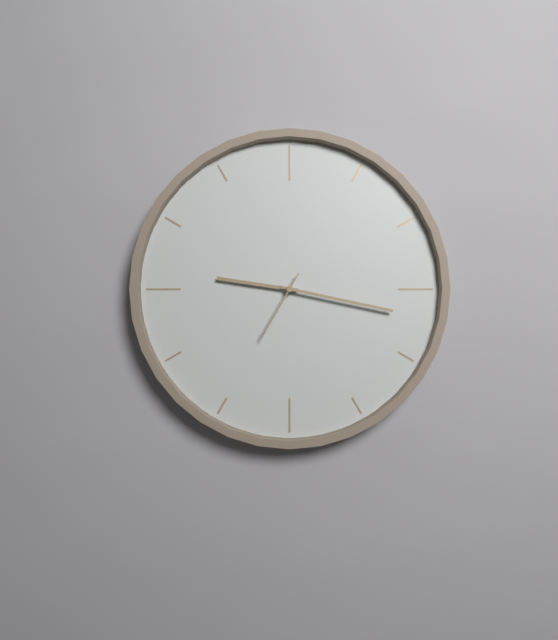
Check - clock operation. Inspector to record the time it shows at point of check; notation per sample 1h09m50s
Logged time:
9h17m35s
